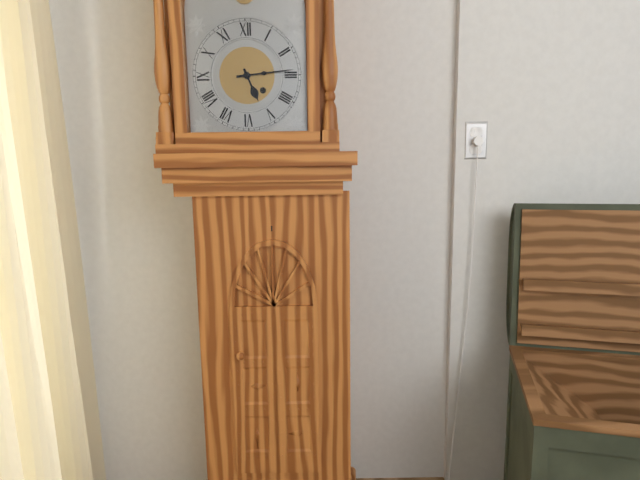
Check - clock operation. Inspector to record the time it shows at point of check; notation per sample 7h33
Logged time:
5h14
